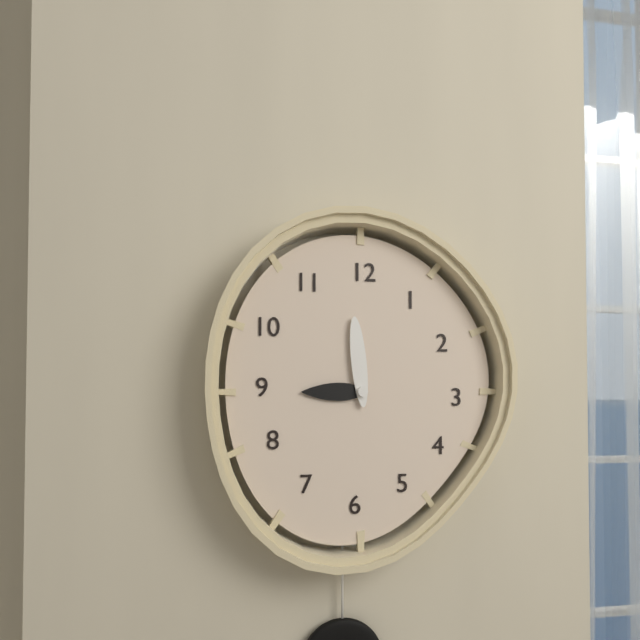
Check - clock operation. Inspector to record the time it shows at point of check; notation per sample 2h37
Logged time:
8h59
